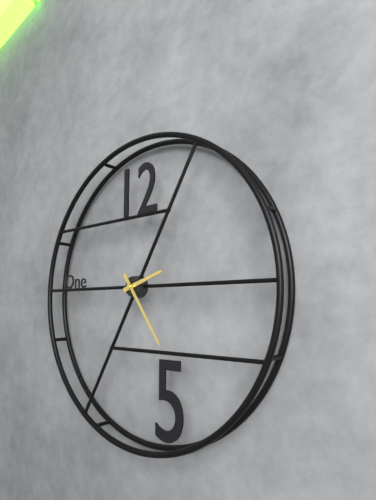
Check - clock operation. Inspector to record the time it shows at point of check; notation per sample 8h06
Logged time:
2h24
